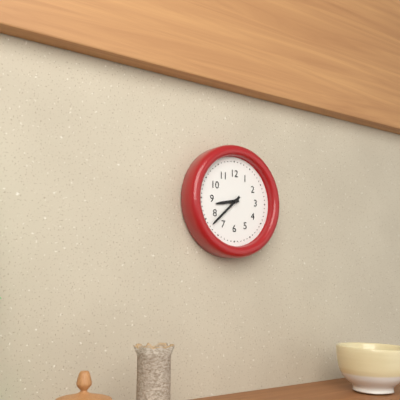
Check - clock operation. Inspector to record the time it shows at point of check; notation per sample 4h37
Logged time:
8h38
